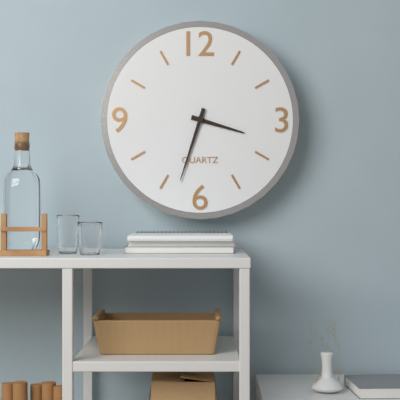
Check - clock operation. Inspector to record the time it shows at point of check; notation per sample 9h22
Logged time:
3h33
